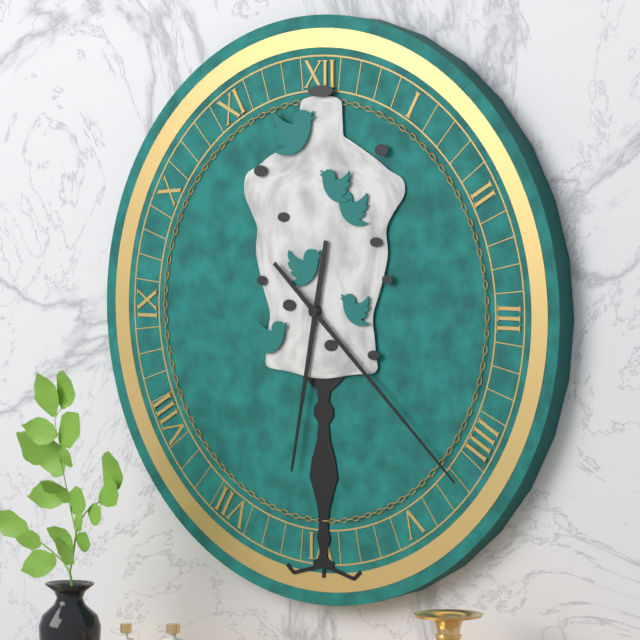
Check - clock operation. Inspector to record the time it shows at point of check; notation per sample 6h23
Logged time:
6h22
